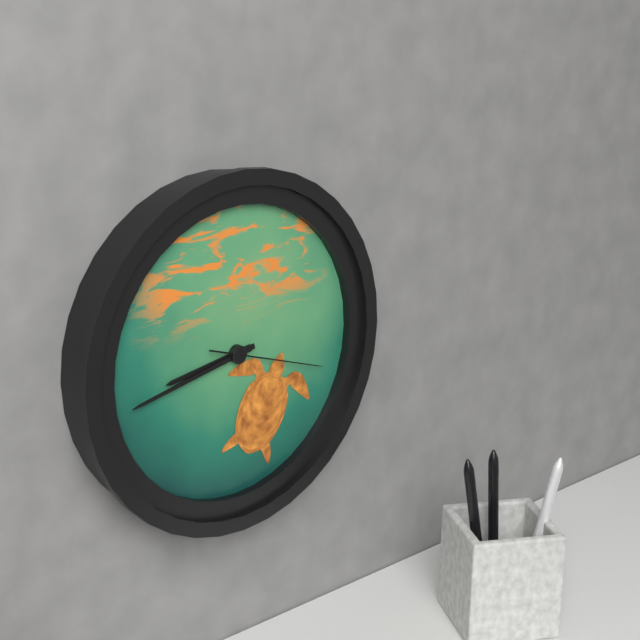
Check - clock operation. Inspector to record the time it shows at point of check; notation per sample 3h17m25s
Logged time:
8h43m18s
